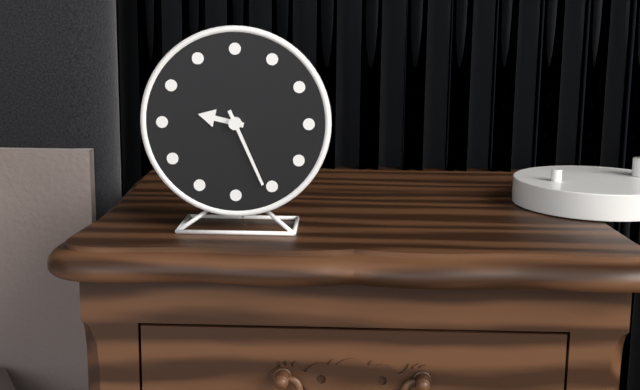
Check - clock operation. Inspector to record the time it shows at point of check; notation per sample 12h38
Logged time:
9h26
